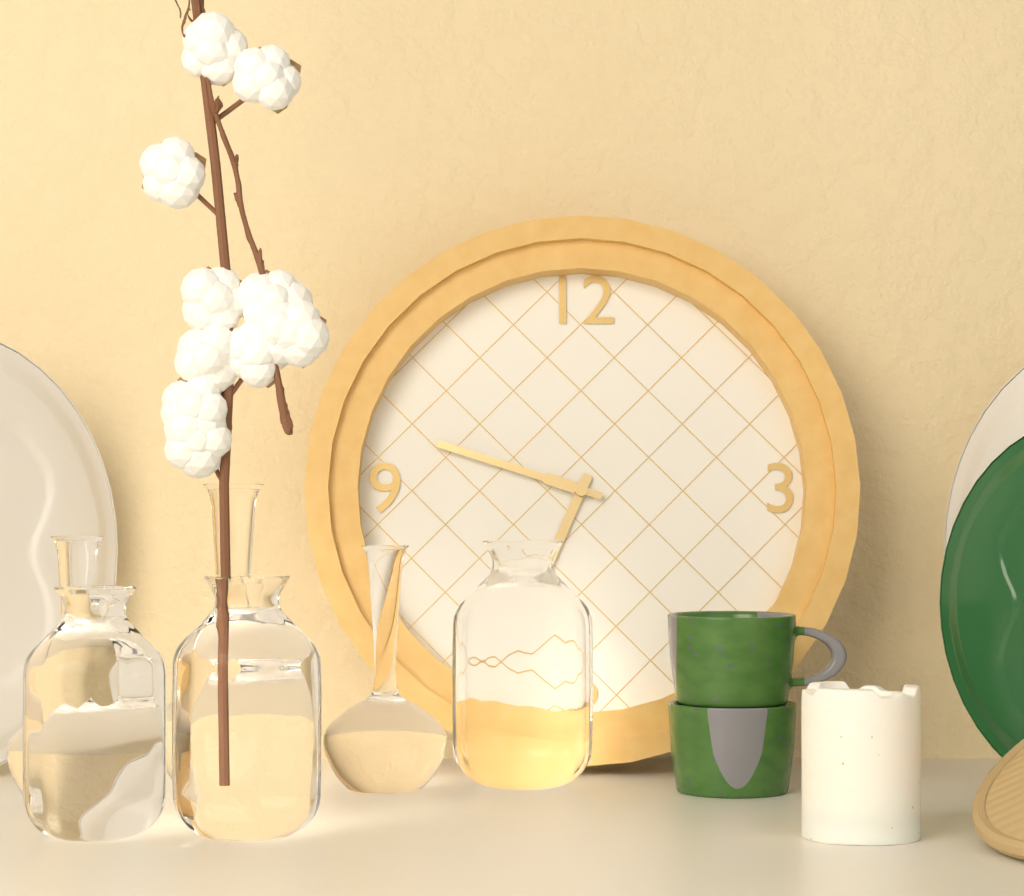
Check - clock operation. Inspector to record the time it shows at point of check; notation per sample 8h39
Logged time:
6h48
